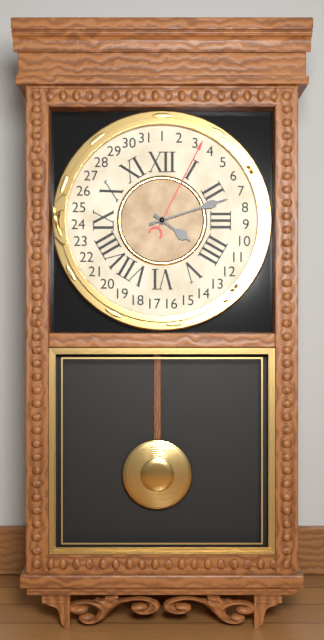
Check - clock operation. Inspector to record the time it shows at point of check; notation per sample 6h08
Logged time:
4h12
